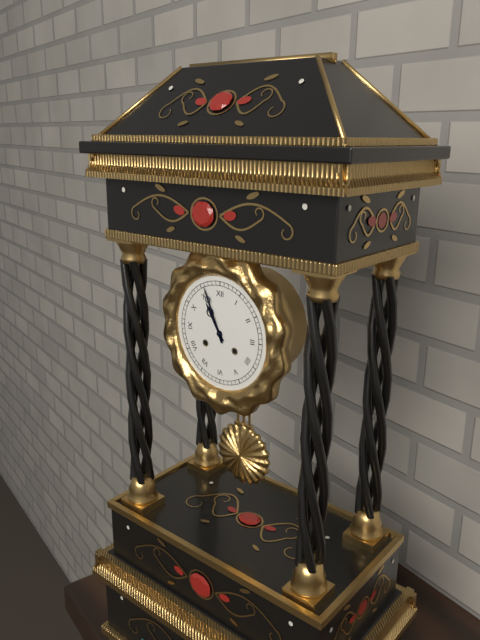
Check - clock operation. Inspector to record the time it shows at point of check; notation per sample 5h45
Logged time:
10h56
